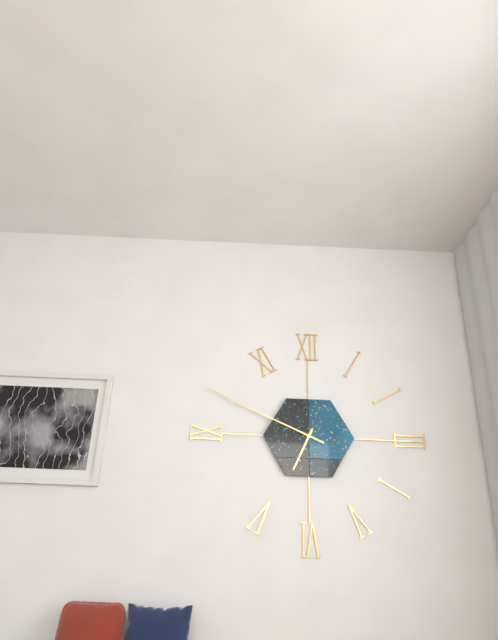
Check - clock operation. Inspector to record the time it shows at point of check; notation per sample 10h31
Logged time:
6h49
